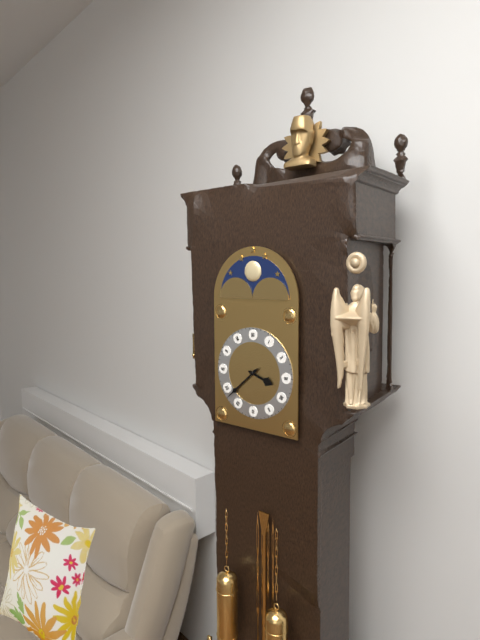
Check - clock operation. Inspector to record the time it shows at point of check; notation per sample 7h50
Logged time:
3h38
